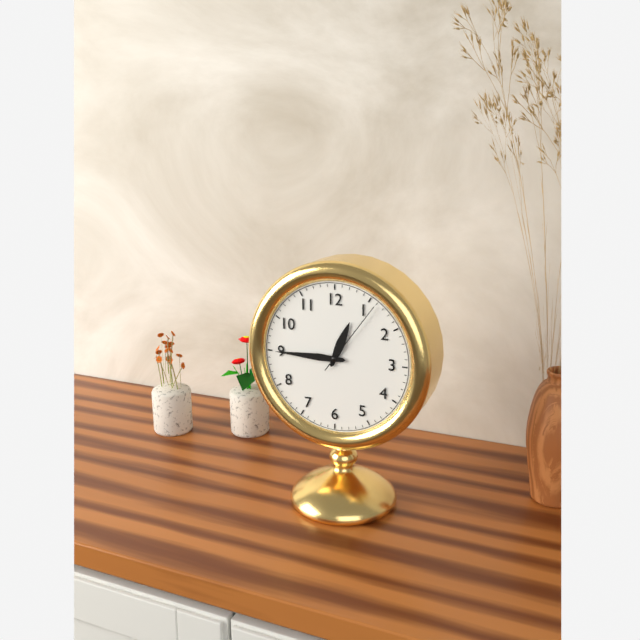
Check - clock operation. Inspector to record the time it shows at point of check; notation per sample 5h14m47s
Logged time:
12h45m06s
